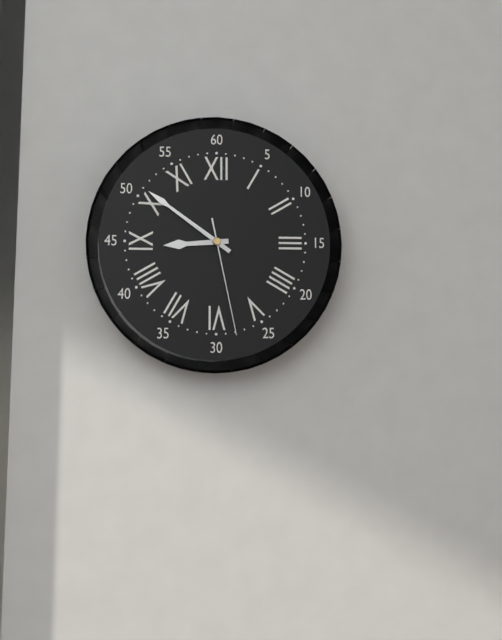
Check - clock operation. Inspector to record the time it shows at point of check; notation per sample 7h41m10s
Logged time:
8h51m28s
